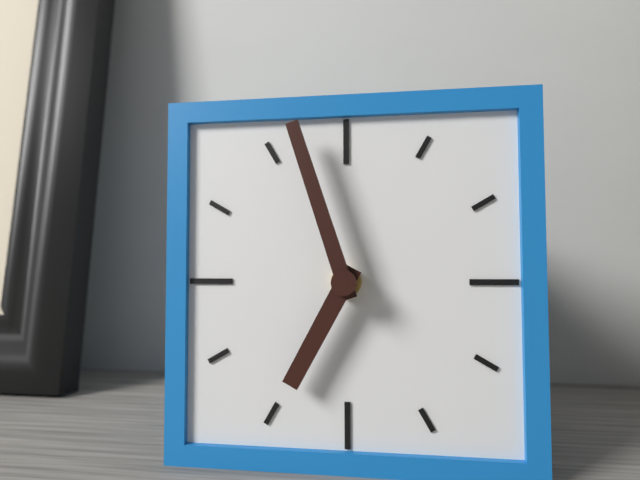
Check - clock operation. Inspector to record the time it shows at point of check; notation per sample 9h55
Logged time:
6h57
